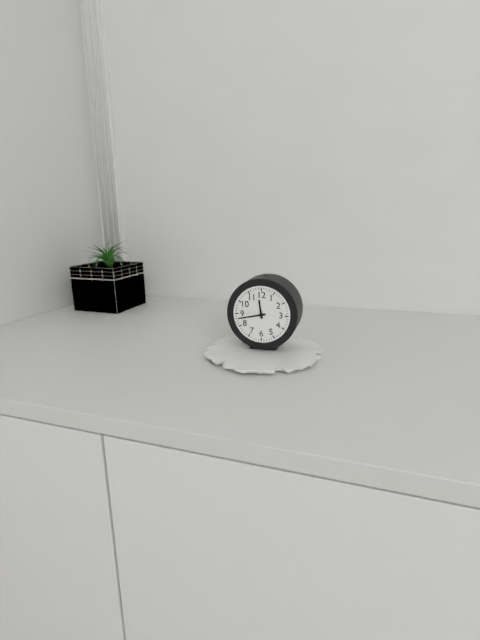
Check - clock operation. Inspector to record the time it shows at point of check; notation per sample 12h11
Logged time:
11h43
